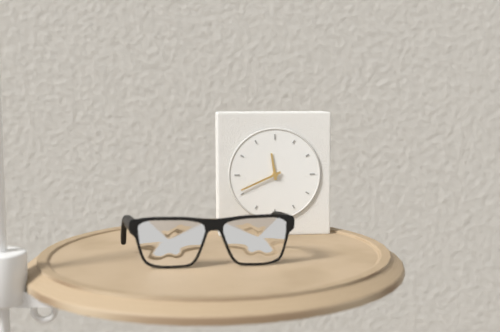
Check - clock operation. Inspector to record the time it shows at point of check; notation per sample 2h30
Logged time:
11h41
